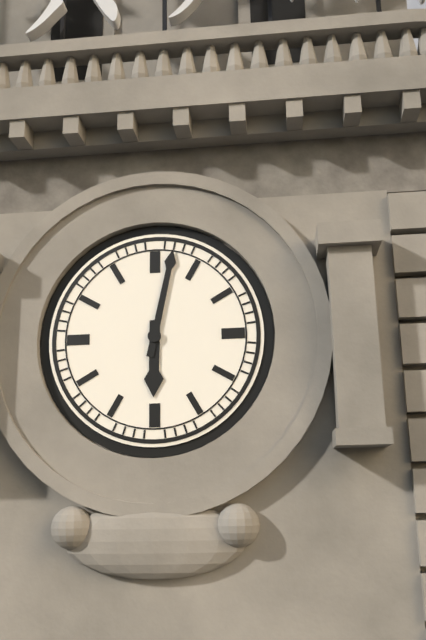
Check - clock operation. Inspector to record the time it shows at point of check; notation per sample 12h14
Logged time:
6h02
